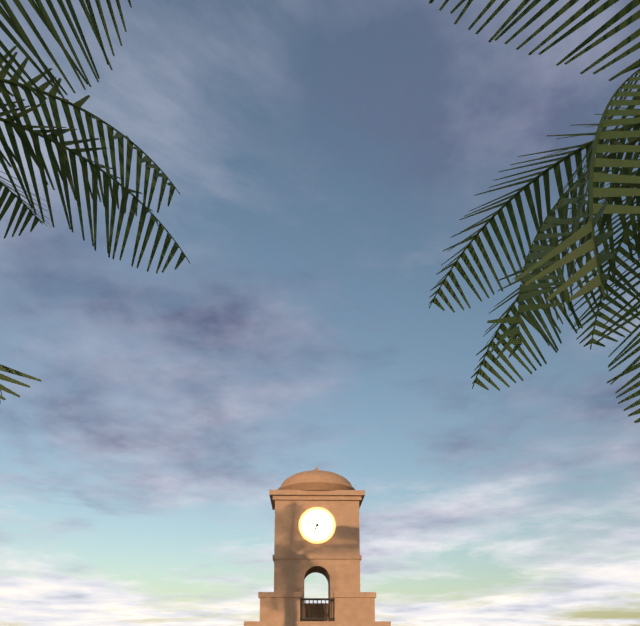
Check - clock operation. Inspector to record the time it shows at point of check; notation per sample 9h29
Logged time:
6h49
